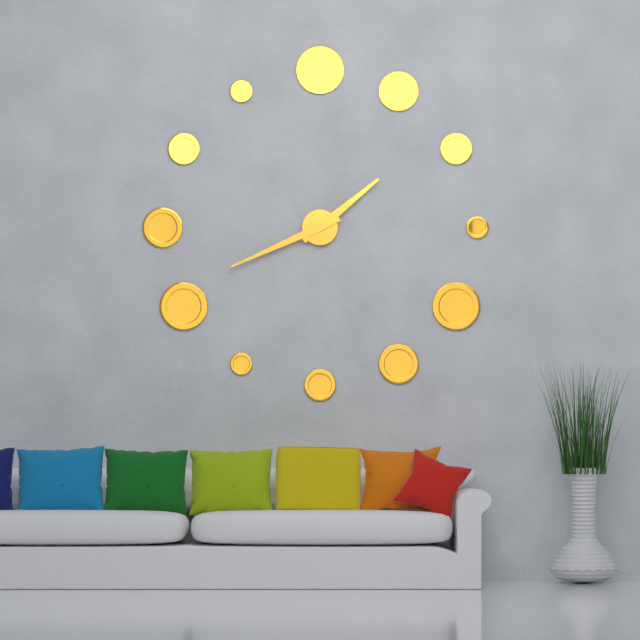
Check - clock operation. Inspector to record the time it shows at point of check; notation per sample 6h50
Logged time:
1h41
